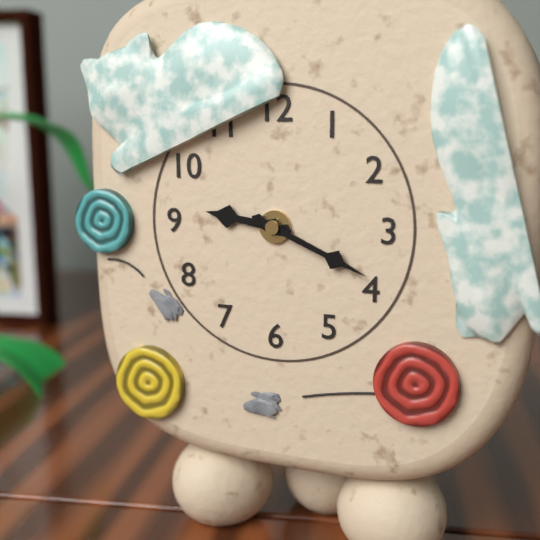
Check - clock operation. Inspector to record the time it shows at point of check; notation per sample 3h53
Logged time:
9h19
